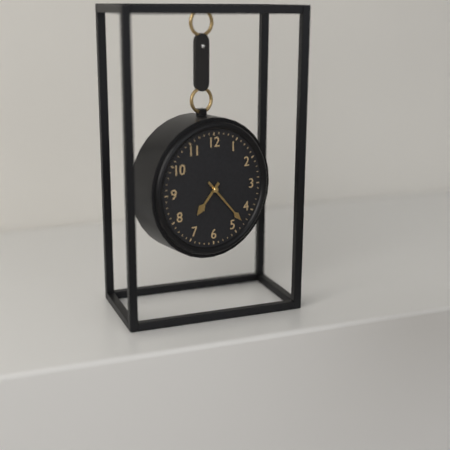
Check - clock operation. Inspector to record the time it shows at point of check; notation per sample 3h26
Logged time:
7h23
